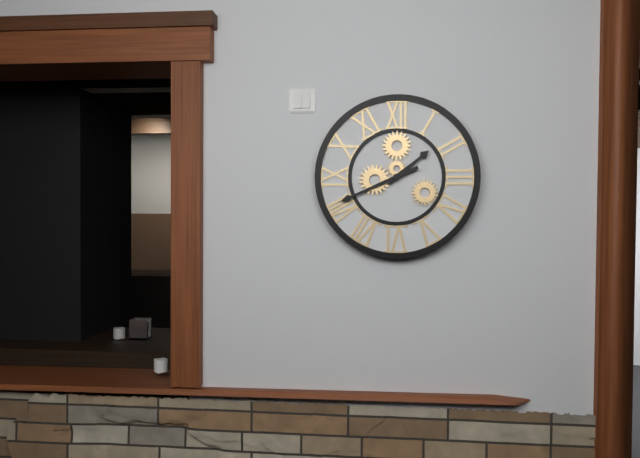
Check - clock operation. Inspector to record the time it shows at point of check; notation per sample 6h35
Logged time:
1h41
